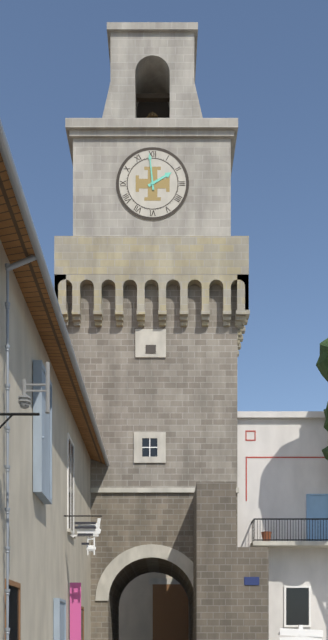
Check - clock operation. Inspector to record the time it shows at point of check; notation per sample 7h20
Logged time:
1h59
